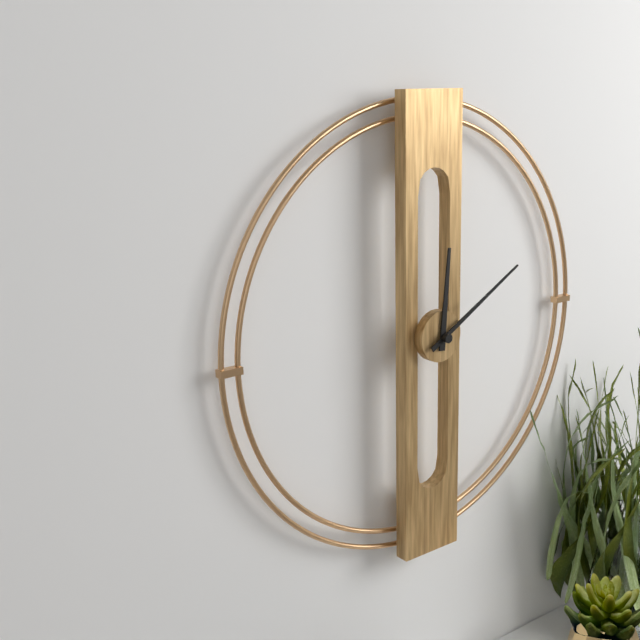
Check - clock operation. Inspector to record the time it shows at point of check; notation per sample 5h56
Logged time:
12h10
